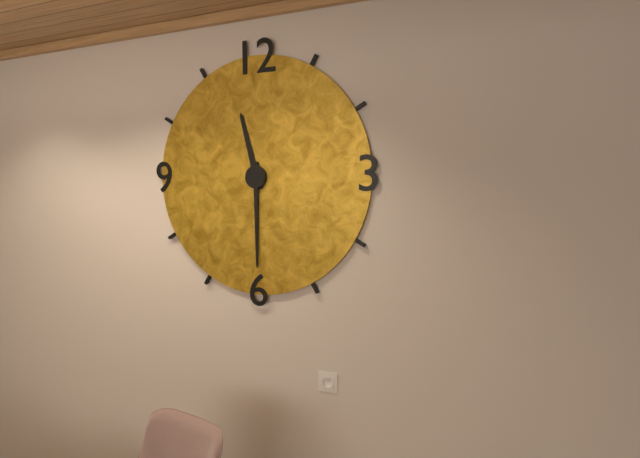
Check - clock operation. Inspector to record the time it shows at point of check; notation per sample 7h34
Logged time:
11h30
